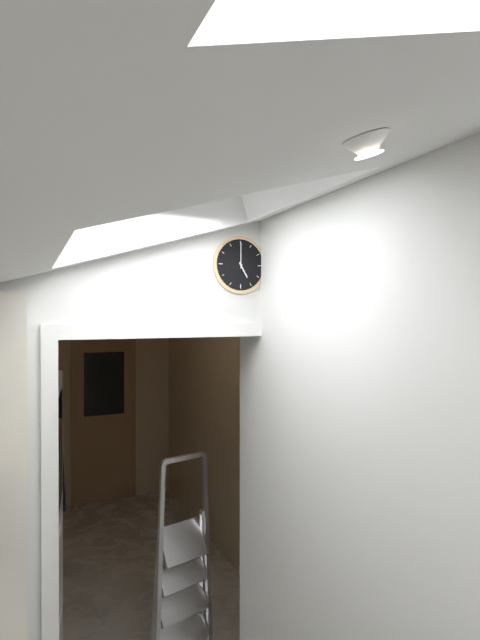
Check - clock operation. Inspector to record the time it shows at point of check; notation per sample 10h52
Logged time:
5h00
